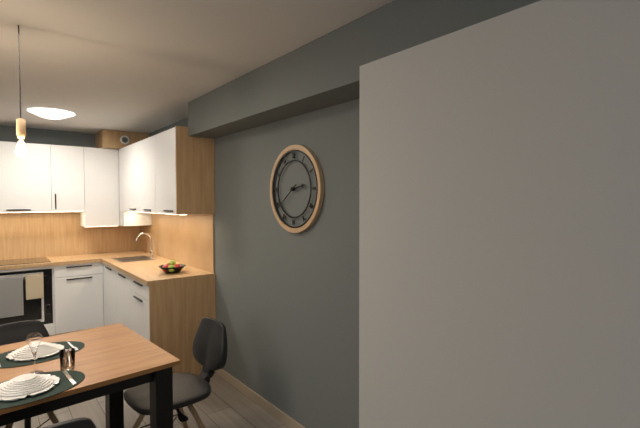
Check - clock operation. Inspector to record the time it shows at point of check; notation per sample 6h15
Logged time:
2h39
